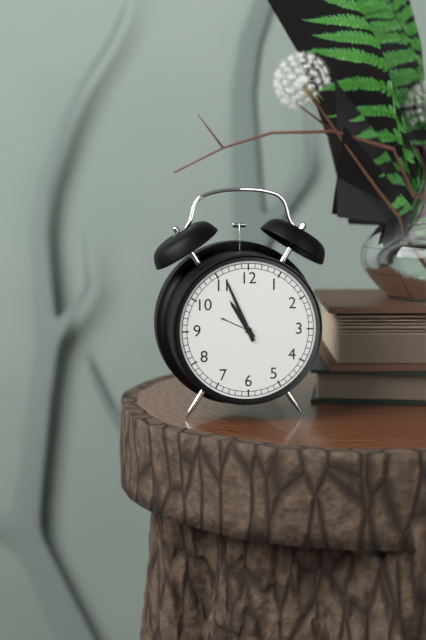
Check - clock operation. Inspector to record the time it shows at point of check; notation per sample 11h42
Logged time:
10h56
